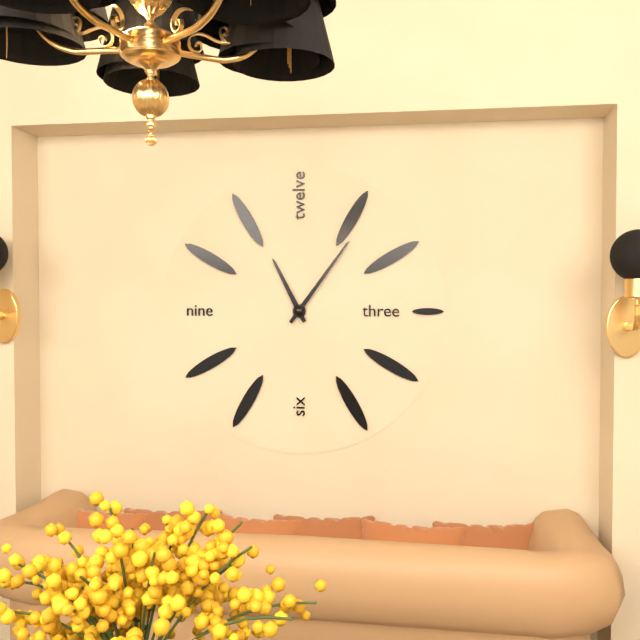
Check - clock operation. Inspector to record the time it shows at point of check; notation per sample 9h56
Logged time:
11h06
